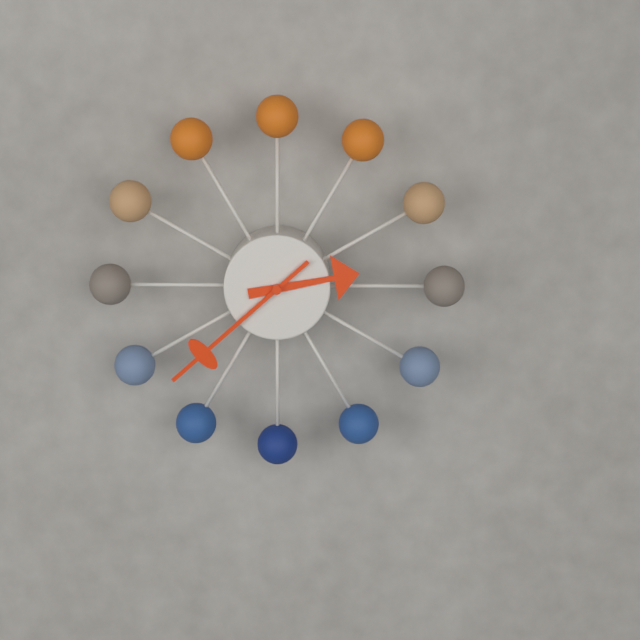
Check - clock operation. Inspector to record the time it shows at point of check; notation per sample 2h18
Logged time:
2h38
